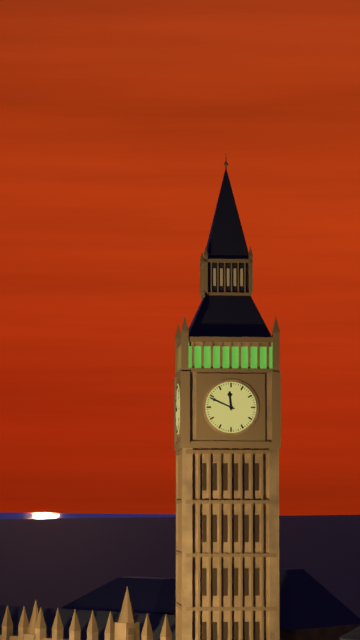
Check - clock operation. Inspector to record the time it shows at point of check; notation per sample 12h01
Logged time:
11h49
